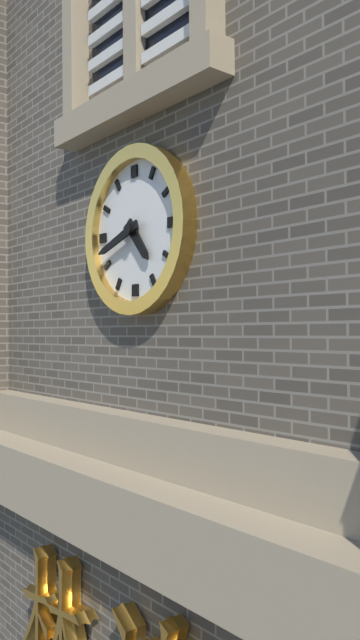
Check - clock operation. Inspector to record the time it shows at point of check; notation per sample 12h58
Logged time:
4h42
